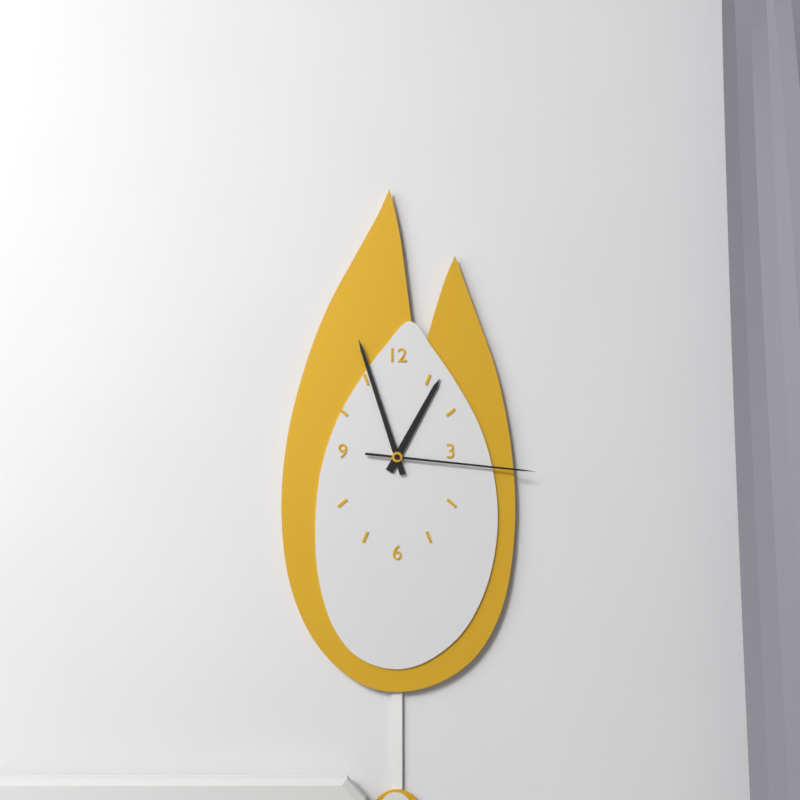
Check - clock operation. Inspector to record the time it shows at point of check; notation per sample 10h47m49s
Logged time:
12h57m16s
